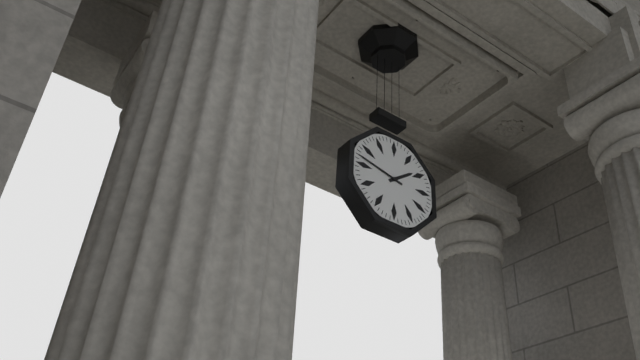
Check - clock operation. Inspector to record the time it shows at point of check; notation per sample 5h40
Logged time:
1h47
